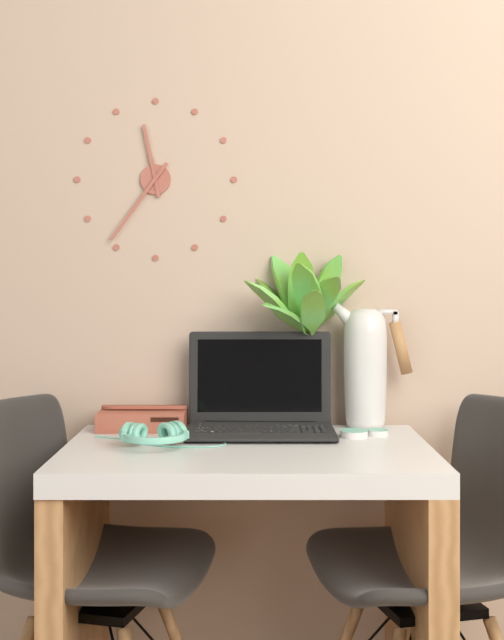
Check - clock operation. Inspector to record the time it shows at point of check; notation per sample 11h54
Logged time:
11h36
